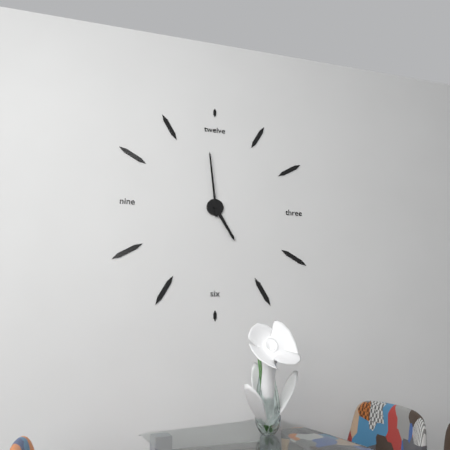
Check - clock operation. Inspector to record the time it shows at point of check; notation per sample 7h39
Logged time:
4h59
